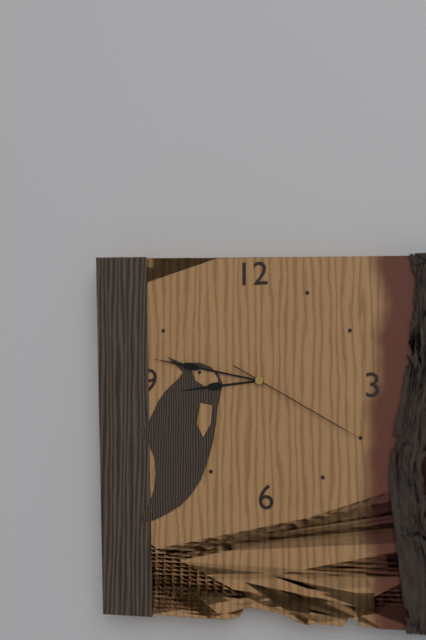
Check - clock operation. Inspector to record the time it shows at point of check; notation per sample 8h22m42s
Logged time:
8h47m20s
